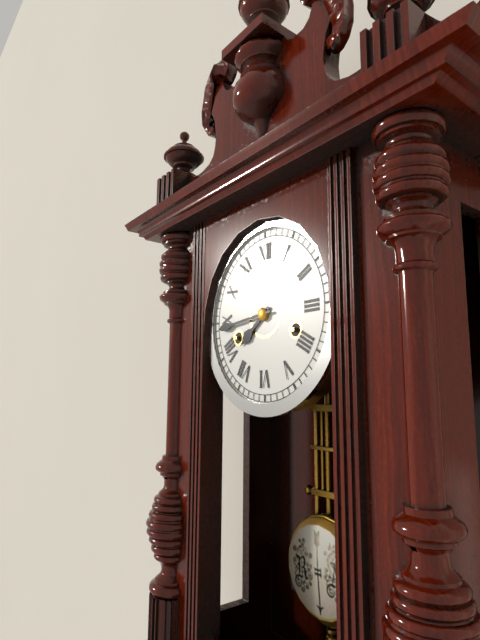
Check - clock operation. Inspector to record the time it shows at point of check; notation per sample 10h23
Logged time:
7h44
